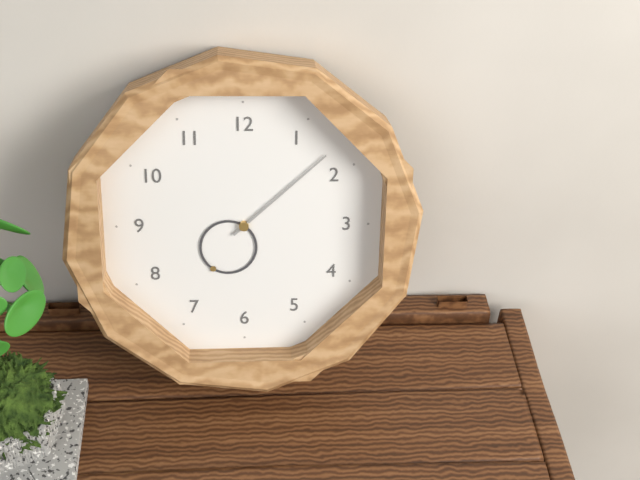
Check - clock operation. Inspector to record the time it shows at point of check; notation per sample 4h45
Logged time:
7h08
